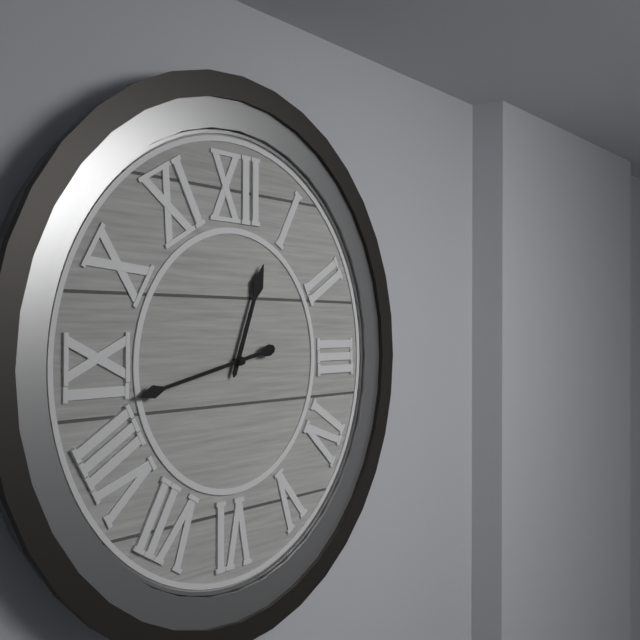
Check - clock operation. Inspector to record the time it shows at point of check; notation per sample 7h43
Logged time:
12h43
